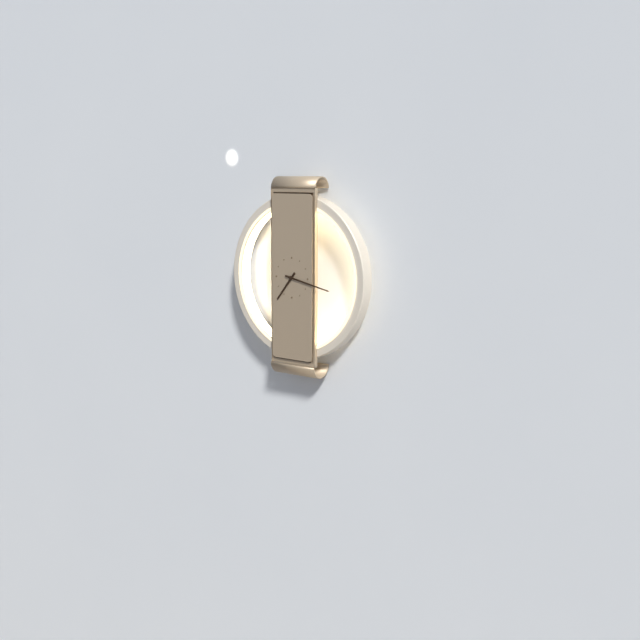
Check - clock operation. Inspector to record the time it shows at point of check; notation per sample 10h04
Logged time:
7h17
